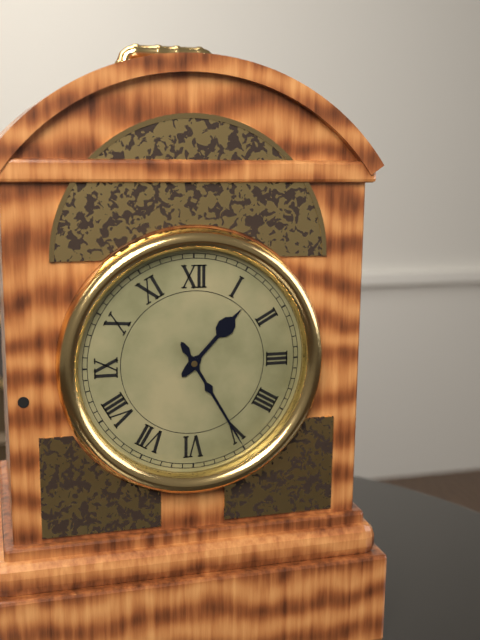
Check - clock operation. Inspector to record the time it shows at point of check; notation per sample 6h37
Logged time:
1h25
